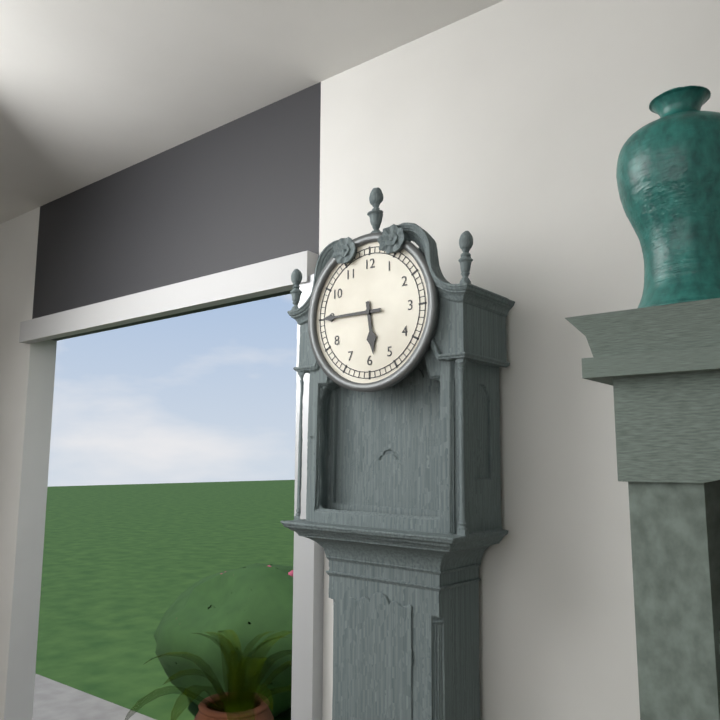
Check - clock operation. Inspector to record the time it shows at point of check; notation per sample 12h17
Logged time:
5h45
